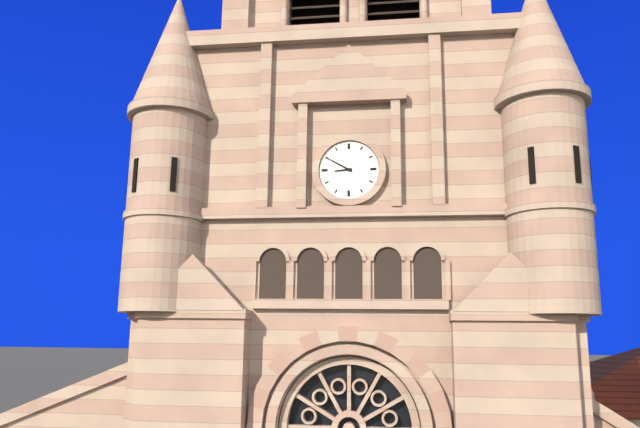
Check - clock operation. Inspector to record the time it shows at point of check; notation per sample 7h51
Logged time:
8h50
